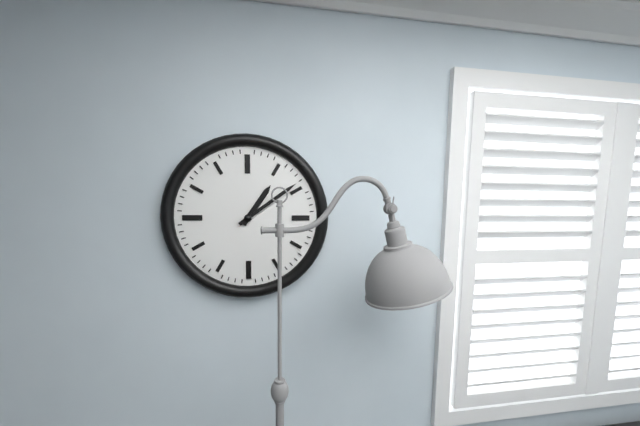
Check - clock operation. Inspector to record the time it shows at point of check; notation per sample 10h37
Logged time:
1h09
